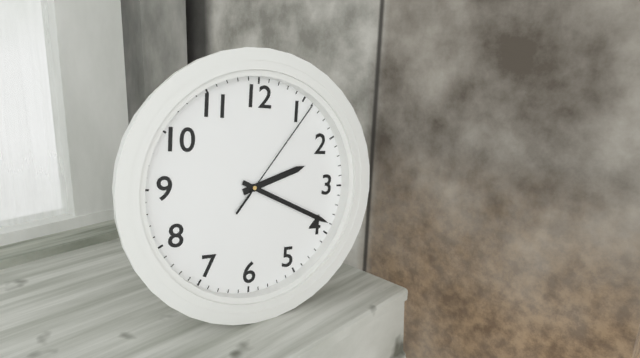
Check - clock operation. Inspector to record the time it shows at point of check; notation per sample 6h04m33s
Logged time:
2h19m06s
